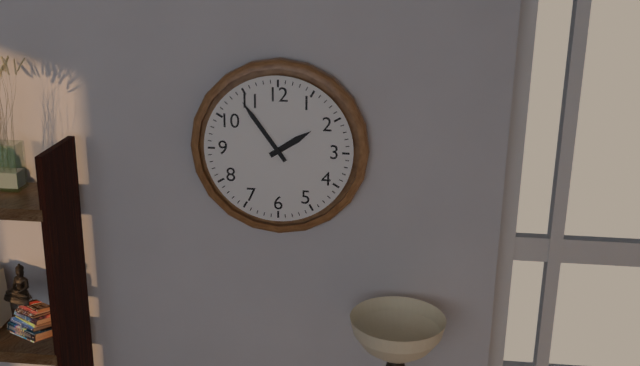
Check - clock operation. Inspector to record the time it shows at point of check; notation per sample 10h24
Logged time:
1h54
